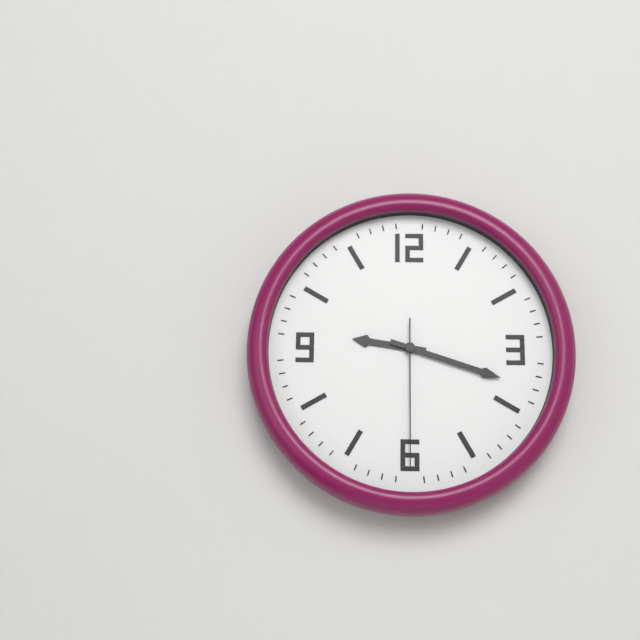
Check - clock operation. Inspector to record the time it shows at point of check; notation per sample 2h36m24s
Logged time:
9h18m30s
